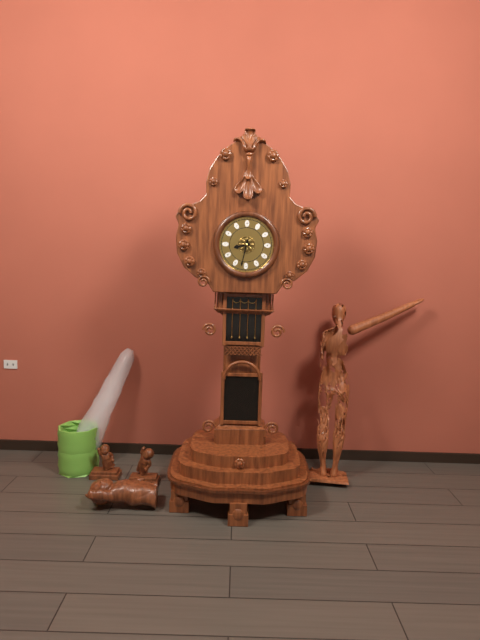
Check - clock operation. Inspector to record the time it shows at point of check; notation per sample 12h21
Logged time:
8h32
